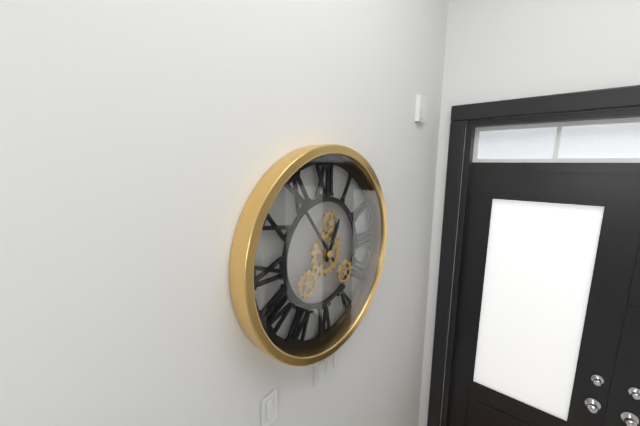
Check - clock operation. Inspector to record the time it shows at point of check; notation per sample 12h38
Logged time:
12h54
